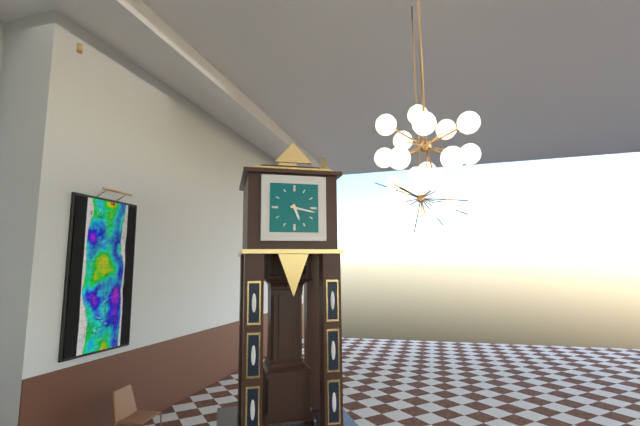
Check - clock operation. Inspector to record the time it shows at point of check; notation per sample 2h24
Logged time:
5h17
